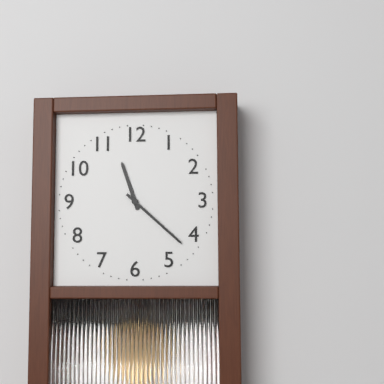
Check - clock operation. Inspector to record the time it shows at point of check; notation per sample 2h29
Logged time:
11h22
